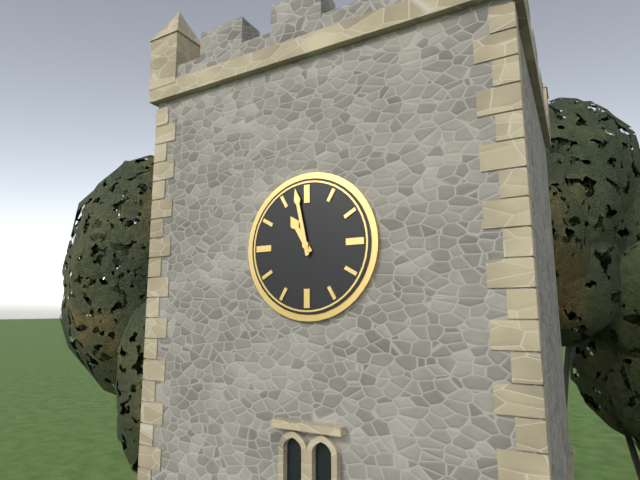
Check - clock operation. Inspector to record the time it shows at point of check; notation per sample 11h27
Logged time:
10h58
